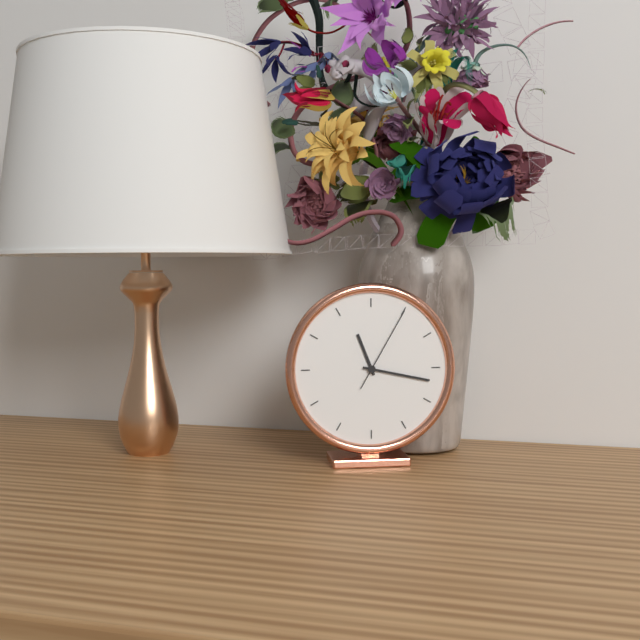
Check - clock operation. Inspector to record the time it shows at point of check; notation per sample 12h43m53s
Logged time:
11h17m05s
